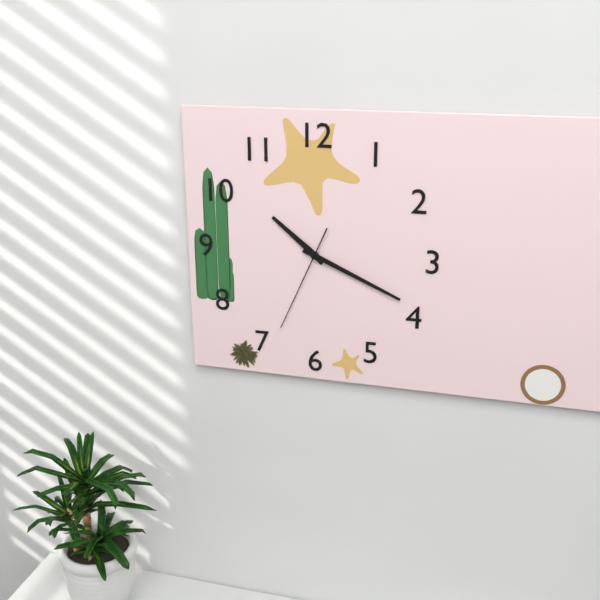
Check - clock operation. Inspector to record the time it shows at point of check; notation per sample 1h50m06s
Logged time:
10h19m34s
